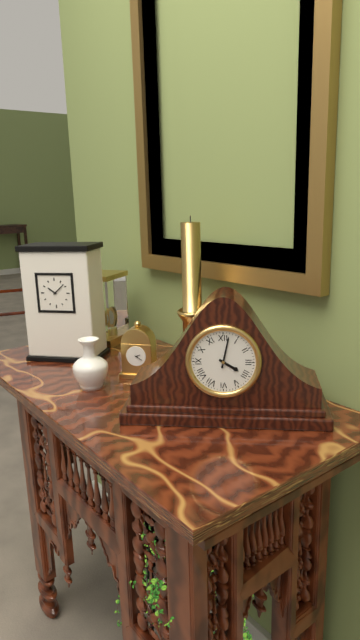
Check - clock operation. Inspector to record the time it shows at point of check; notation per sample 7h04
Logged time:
4h02
